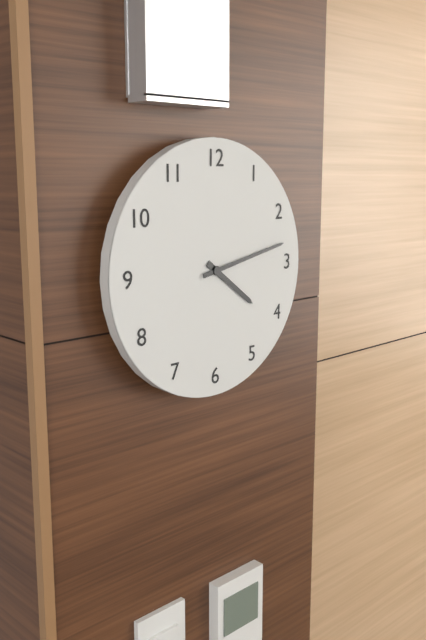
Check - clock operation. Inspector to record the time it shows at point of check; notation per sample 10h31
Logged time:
4h13
